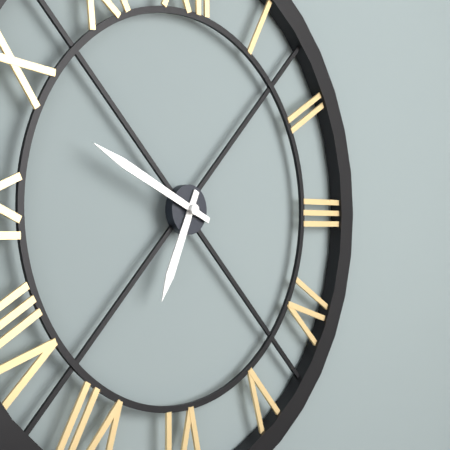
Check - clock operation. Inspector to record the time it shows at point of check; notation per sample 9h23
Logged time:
6h49
